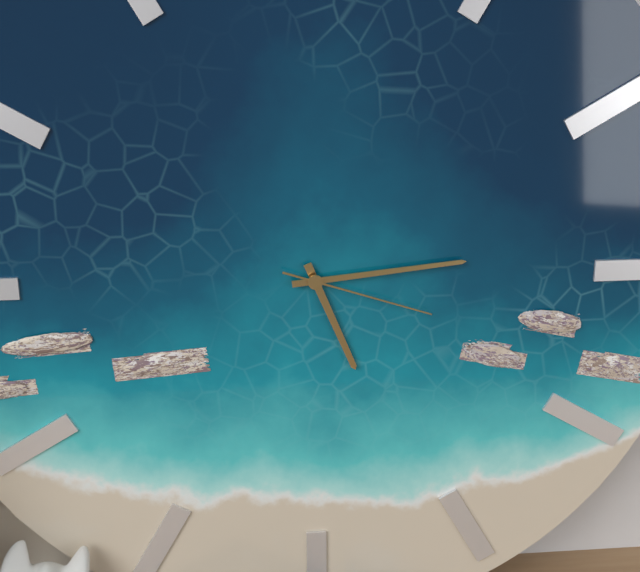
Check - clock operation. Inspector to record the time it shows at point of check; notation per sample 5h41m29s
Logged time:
5h14m18s
